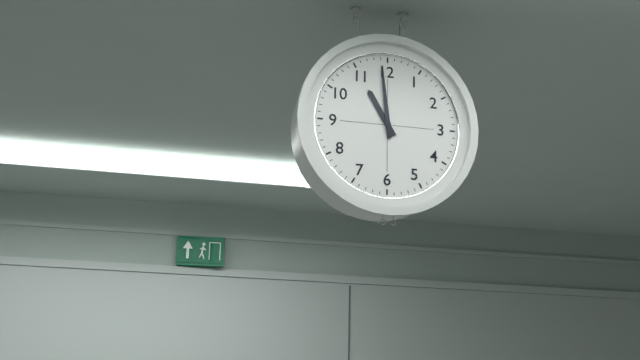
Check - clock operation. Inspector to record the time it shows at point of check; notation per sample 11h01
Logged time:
10h59
